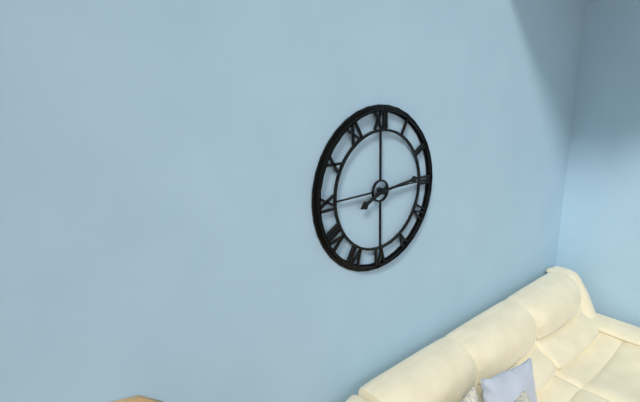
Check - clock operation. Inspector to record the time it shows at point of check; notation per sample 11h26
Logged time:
8h14
